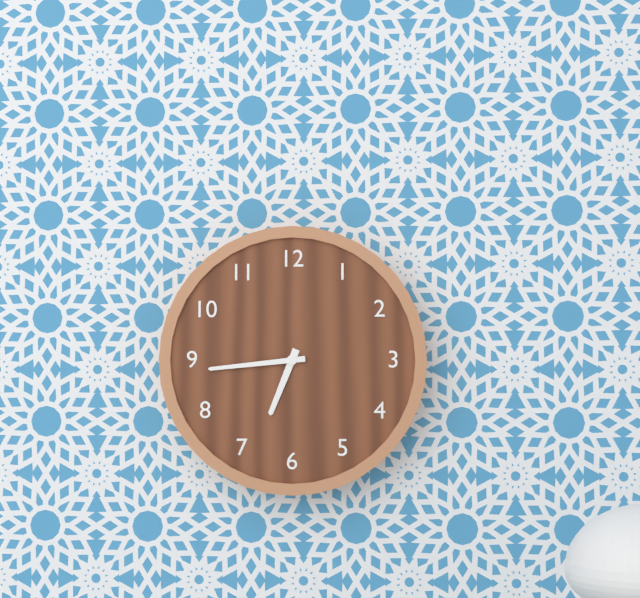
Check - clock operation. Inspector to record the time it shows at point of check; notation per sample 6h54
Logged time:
6h44
